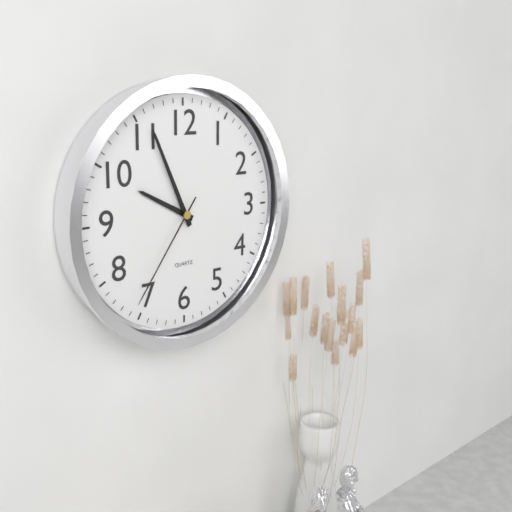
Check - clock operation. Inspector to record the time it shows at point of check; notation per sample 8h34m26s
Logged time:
9h56m36s
